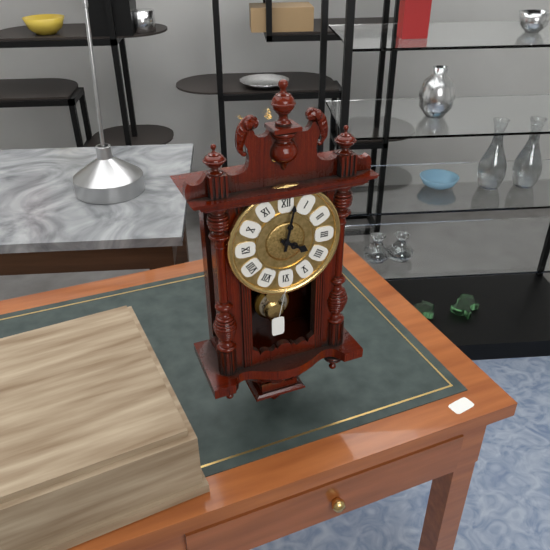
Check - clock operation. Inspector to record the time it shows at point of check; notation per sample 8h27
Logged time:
4h02
